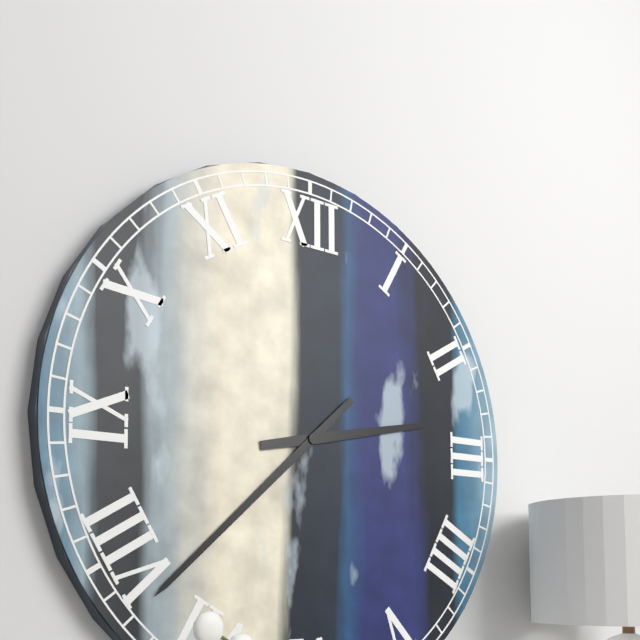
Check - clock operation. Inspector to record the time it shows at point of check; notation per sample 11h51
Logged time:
2h38
